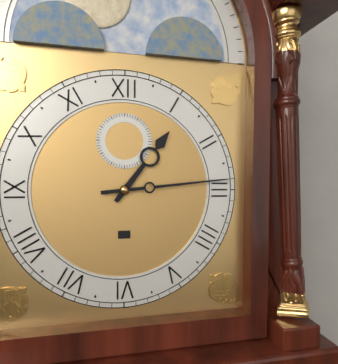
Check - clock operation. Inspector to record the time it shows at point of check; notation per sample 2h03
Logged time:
1h14
